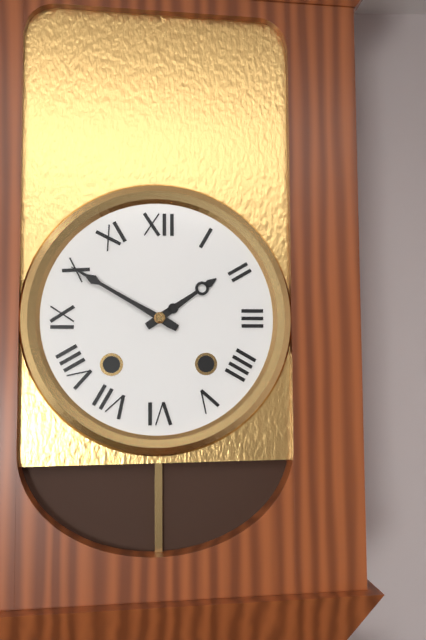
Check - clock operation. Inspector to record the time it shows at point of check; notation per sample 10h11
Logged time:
1h50
